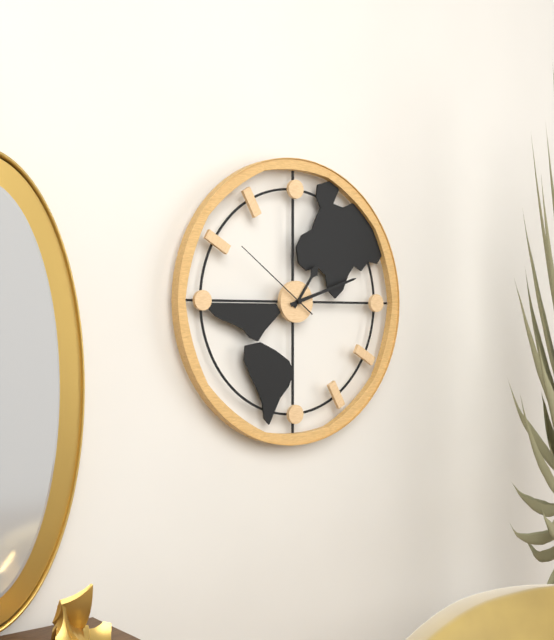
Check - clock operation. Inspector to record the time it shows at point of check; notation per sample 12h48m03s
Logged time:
1h12m51s
